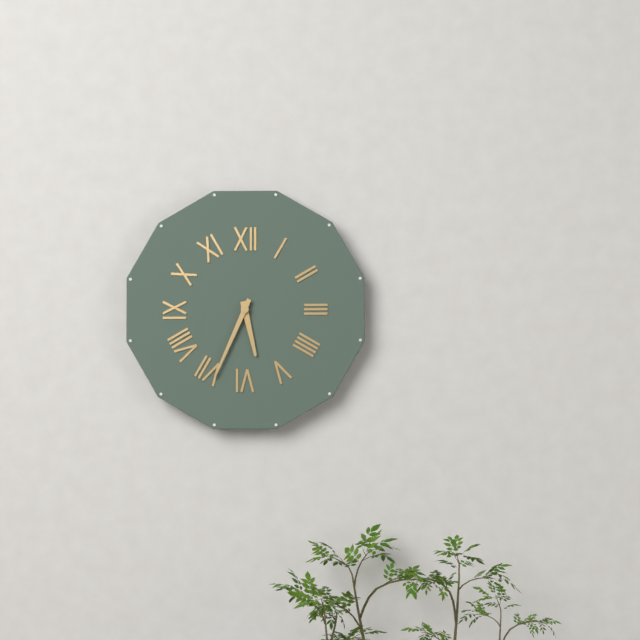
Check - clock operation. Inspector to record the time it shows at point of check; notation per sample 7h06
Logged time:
5h34
